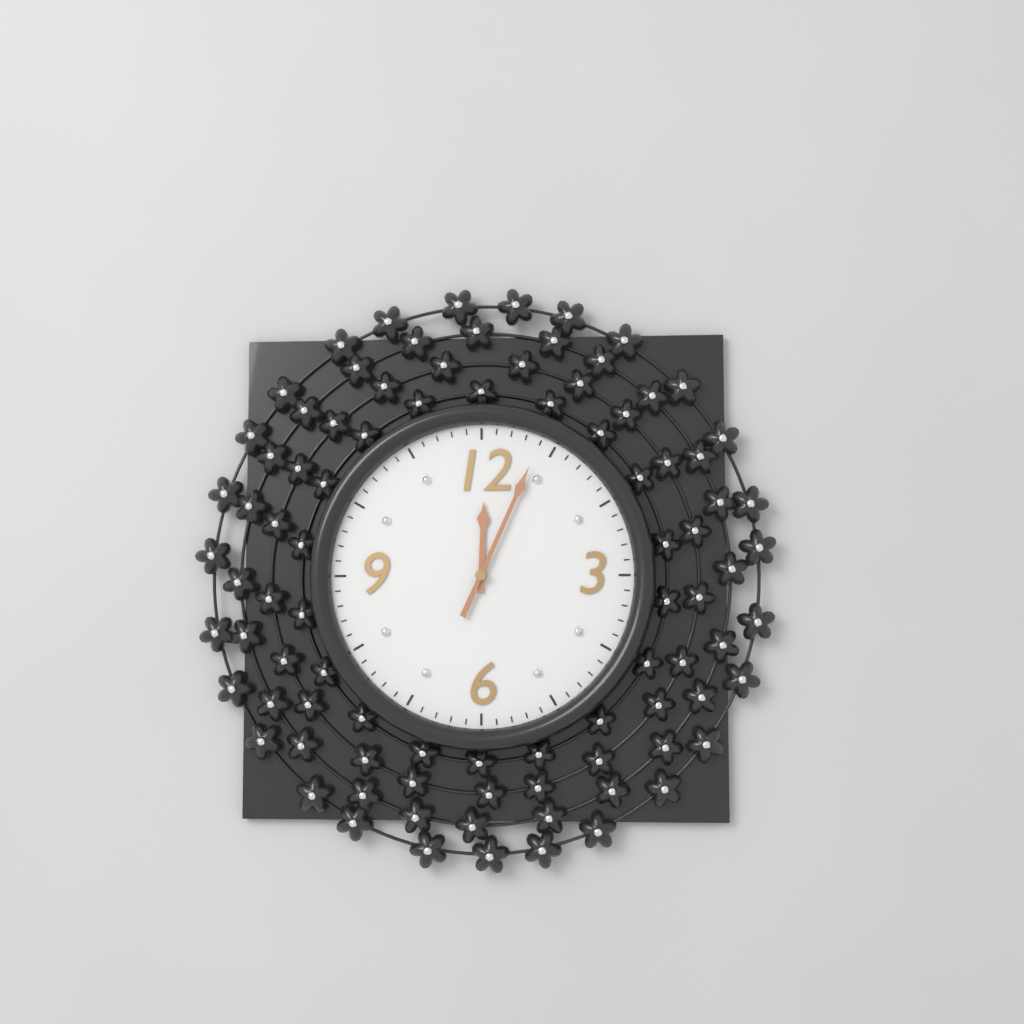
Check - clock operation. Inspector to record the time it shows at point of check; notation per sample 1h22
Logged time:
12h04
